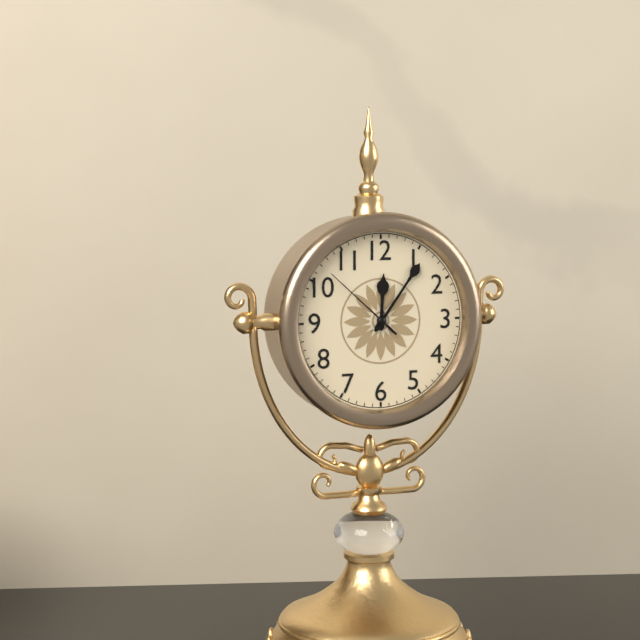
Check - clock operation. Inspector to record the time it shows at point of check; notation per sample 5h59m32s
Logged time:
12h06m52s
